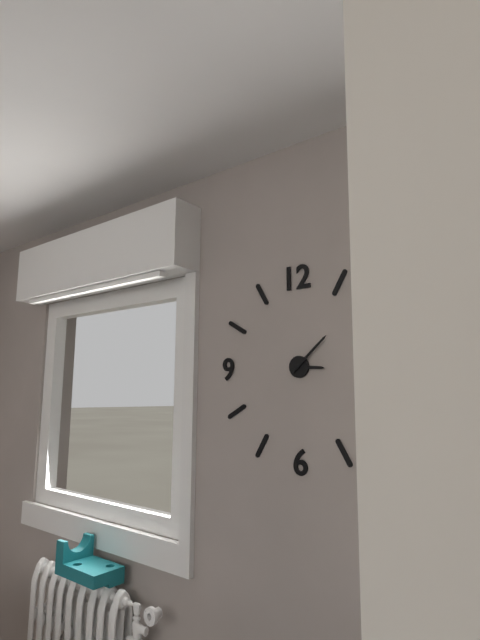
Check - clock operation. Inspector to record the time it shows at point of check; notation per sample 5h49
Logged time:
3h08
